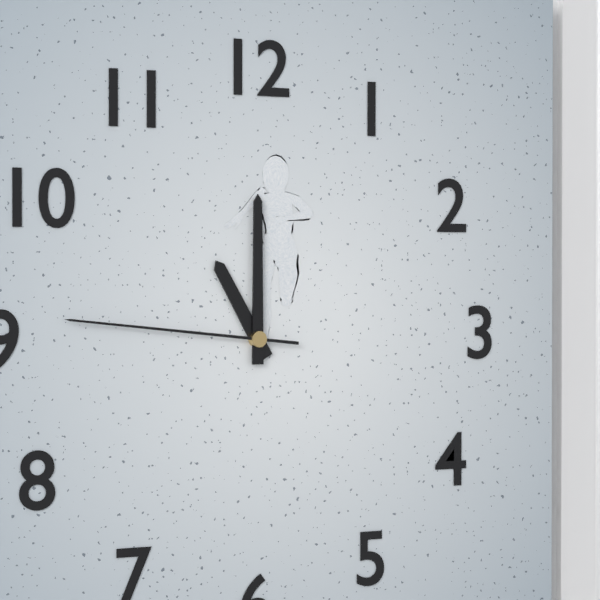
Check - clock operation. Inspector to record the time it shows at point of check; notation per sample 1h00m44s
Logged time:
11h00m46s
